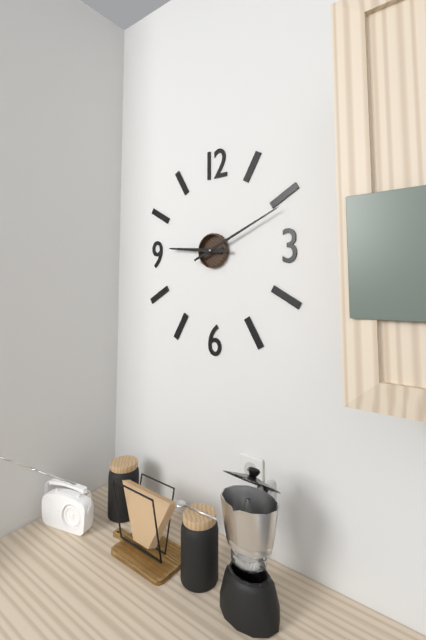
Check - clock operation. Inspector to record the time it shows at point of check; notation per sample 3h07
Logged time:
9h11
